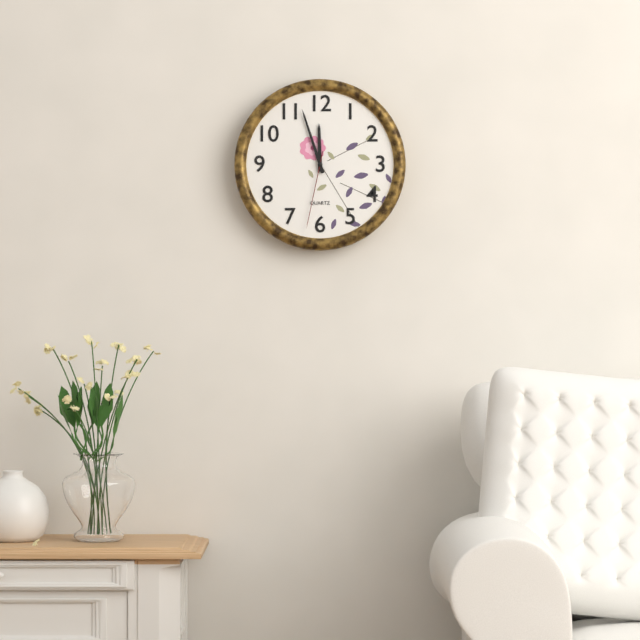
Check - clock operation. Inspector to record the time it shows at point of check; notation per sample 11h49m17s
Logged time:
11h57m32s
